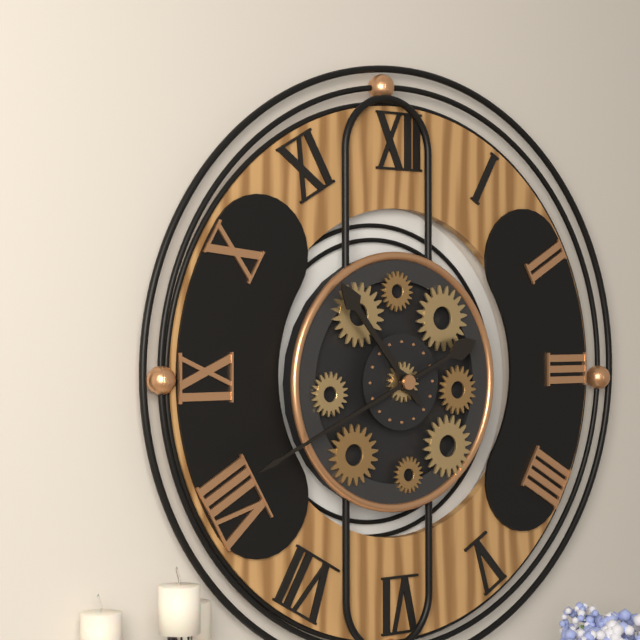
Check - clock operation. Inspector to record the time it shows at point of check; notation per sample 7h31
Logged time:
10h41
